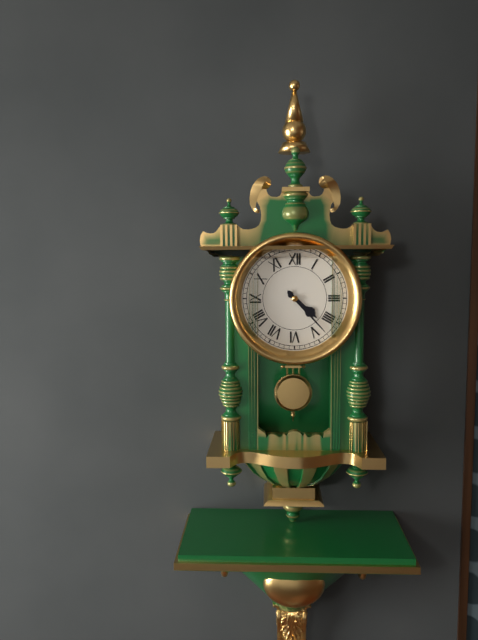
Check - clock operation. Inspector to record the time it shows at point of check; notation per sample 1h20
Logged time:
4h23
